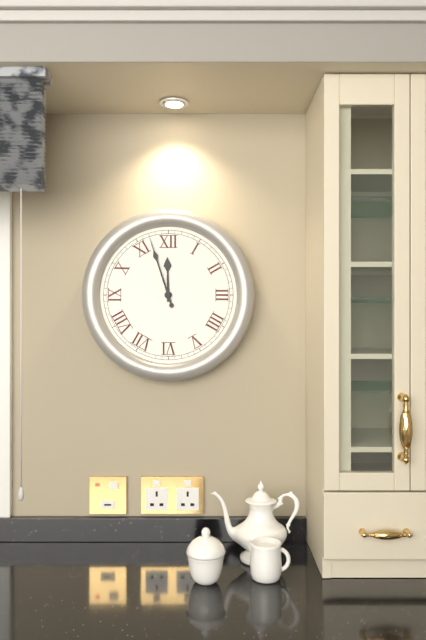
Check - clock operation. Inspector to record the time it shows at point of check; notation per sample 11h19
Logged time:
11h57
